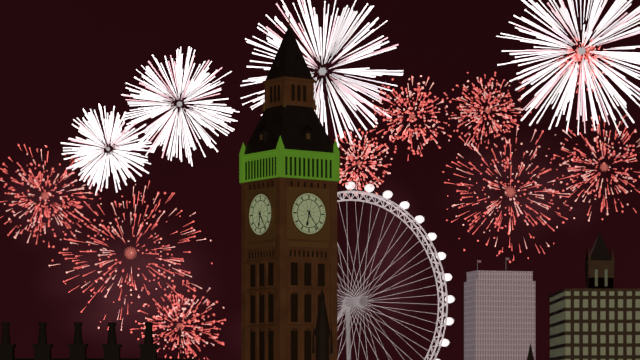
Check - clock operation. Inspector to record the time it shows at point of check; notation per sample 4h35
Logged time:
6h24
